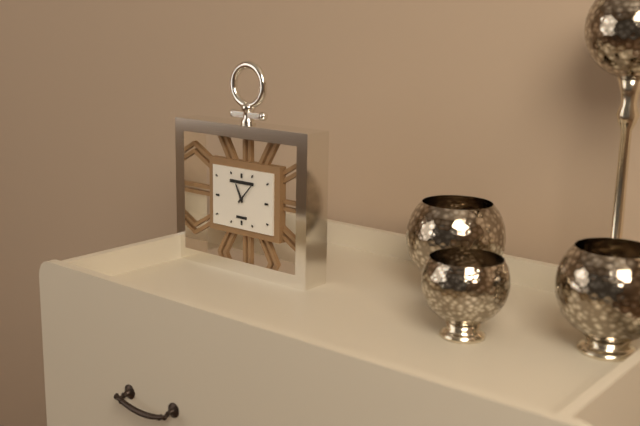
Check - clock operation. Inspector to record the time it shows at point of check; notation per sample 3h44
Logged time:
11h07
